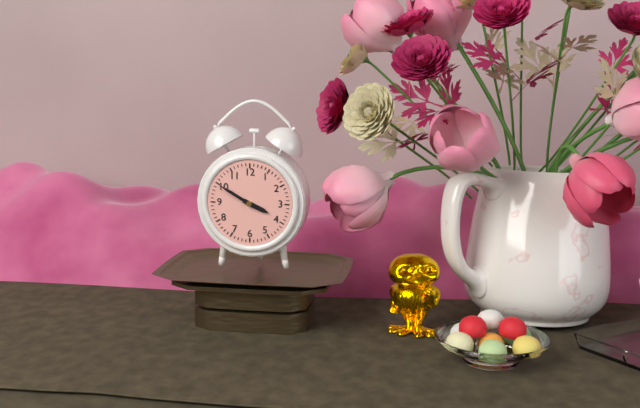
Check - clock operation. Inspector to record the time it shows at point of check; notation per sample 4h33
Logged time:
3h50
